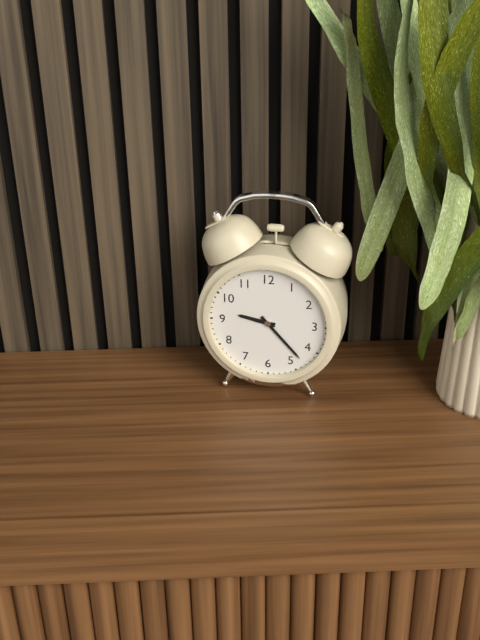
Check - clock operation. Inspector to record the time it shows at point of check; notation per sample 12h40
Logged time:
9h23
